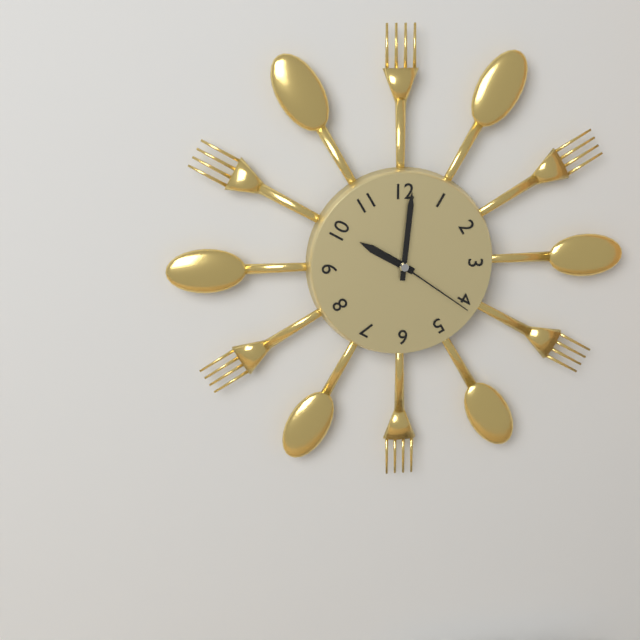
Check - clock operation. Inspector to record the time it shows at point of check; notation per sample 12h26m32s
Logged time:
10h01m21s
